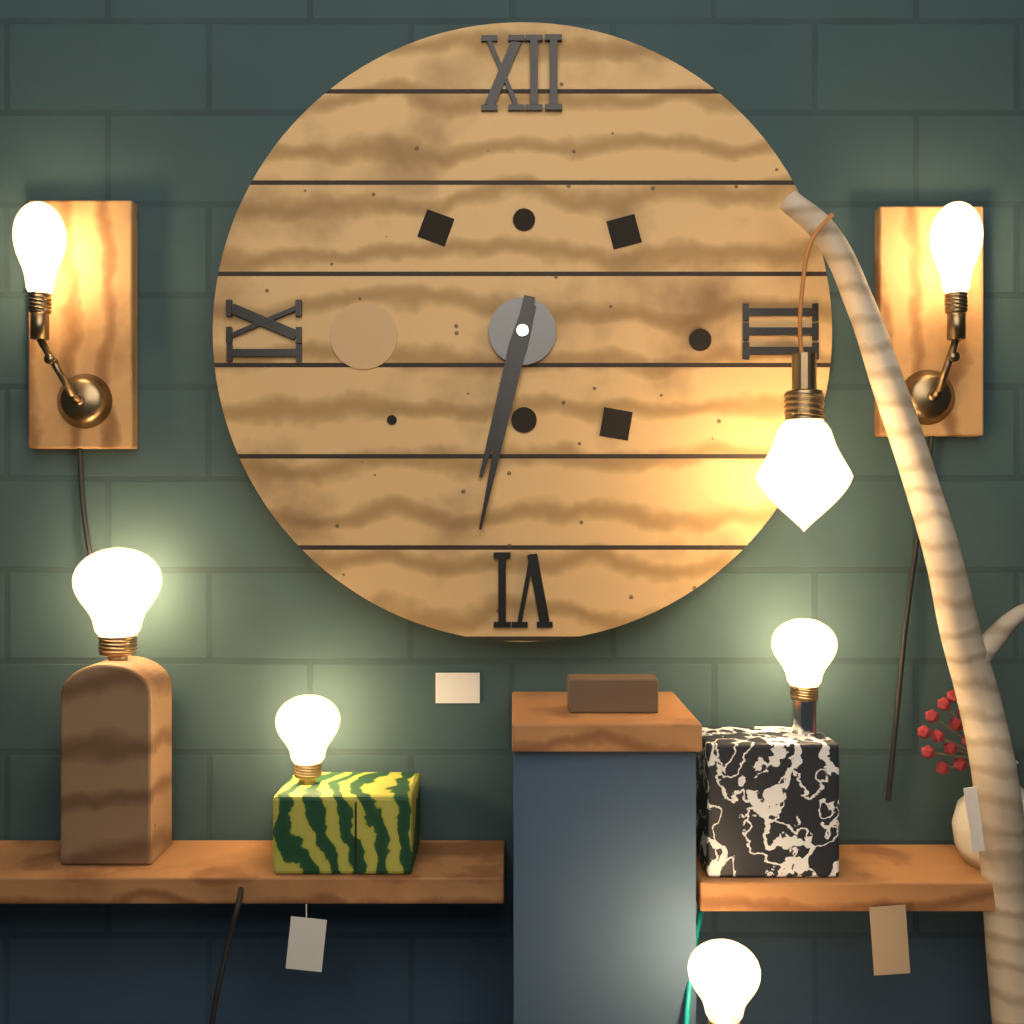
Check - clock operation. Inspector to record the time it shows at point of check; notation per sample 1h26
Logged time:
6h32
